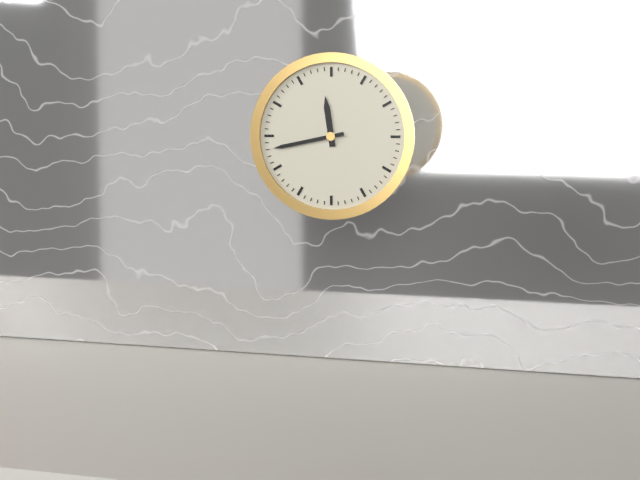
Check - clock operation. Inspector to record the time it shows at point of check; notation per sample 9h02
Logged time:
11h43
